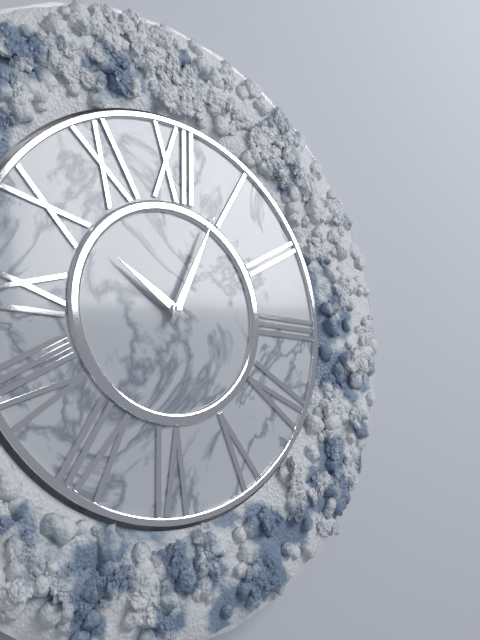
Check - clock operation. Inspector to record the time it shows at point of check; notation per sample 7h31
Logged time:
10h04
